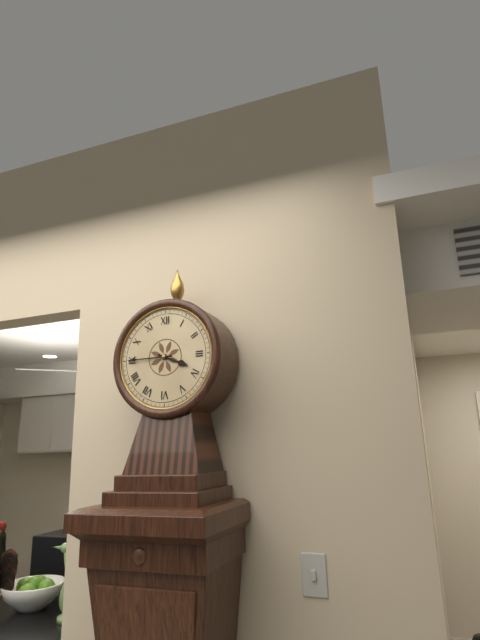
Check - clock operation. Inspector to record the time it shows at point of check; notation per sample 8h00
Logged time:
3h45
